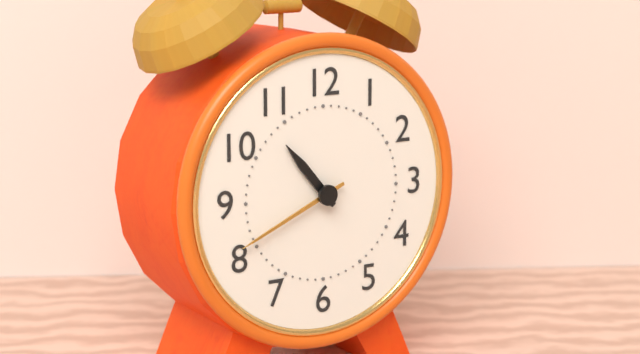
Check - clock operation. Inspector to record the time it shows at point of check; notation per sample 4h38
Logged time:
10h41
